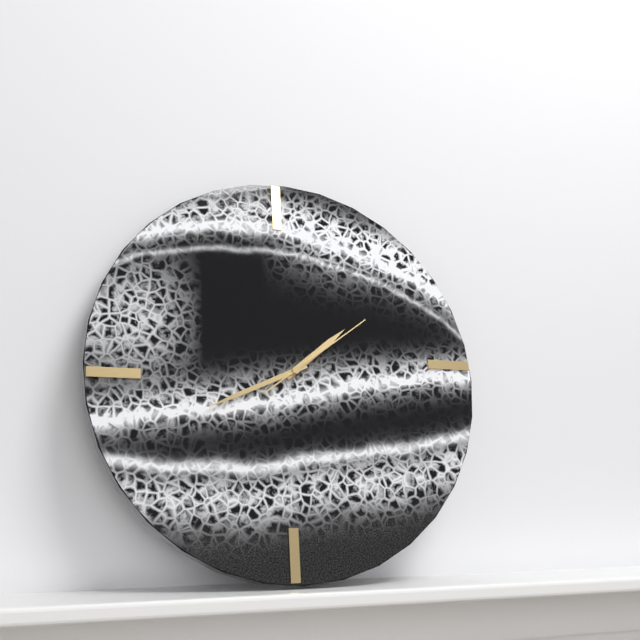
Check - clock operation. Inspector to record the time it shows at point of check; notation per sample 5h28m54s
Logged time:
1h41m09s
